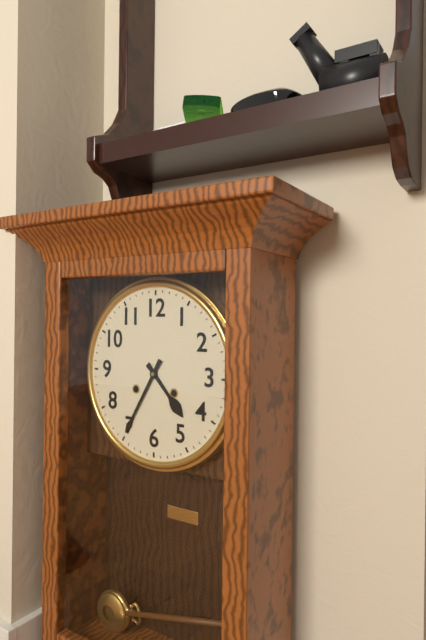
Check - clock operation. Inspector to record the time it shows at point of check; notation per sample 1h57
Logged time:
4h35
